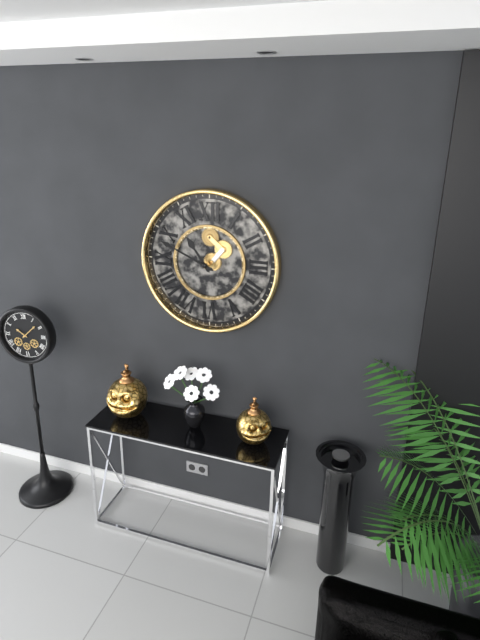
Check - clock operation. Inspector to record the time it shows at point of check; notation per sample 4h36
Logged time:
10h49
